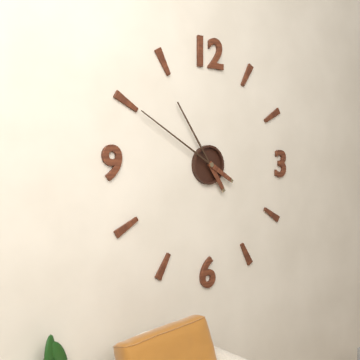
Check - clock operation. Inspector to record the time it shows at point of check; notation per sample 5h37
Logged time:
10h50
